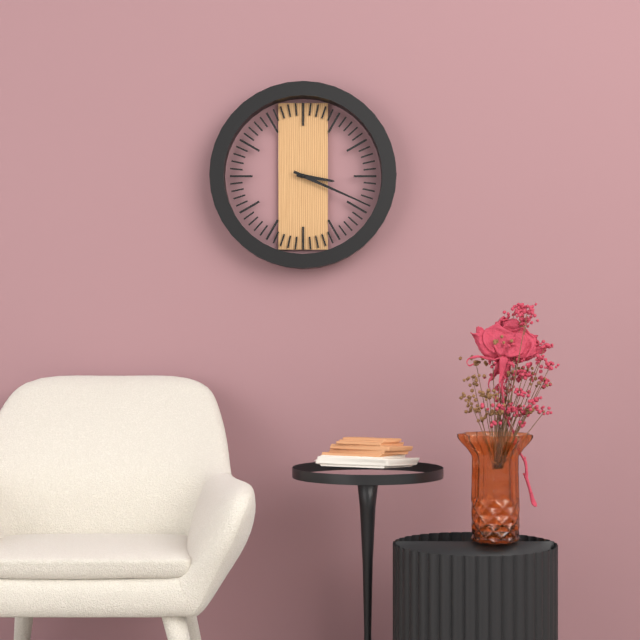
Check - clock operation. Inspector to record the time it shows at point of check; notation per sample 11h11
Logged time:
3h19
